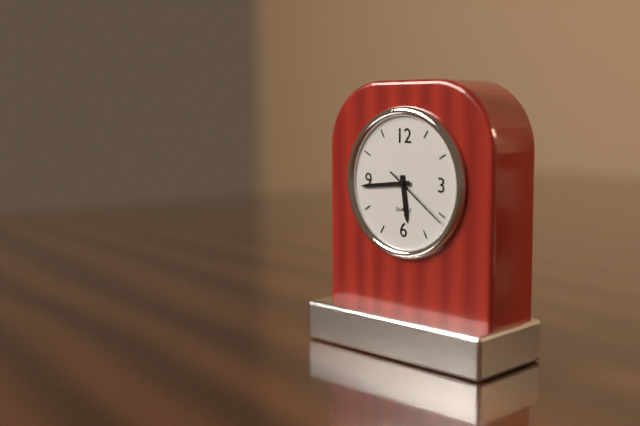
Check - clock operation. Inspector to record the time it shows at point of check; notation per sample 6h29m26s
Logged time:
5h44m21s
